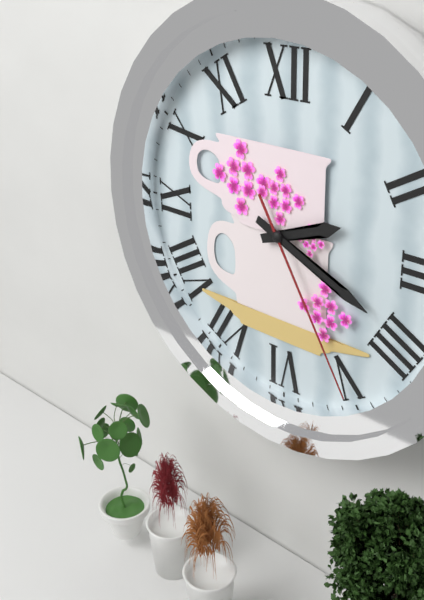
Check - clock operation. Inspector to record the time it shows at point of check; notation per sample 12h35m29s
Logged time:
2h19m25s
